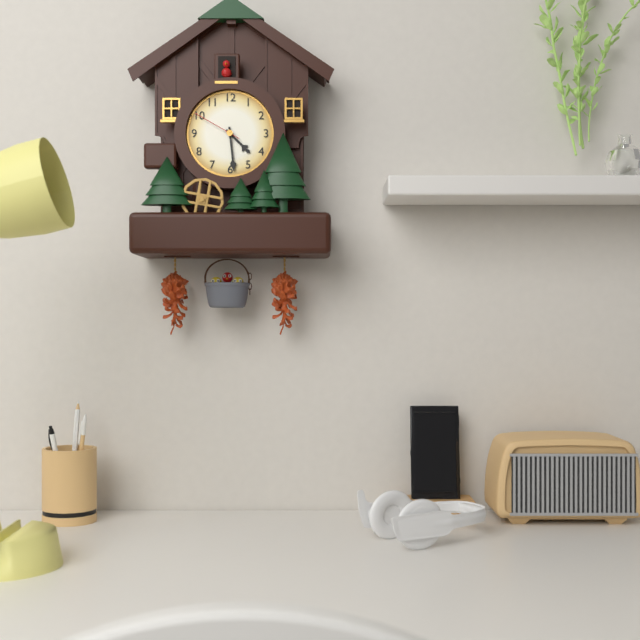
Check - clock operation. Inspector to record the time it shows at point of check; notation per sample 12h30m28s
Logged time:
4h29m50s
